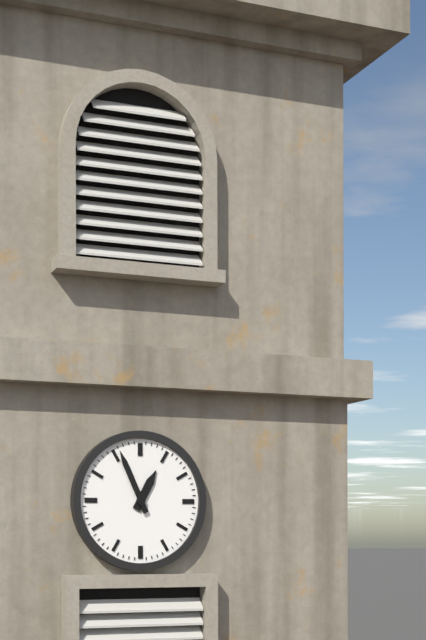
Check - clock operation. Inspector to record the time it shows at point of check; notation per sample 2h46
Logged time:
12h56
